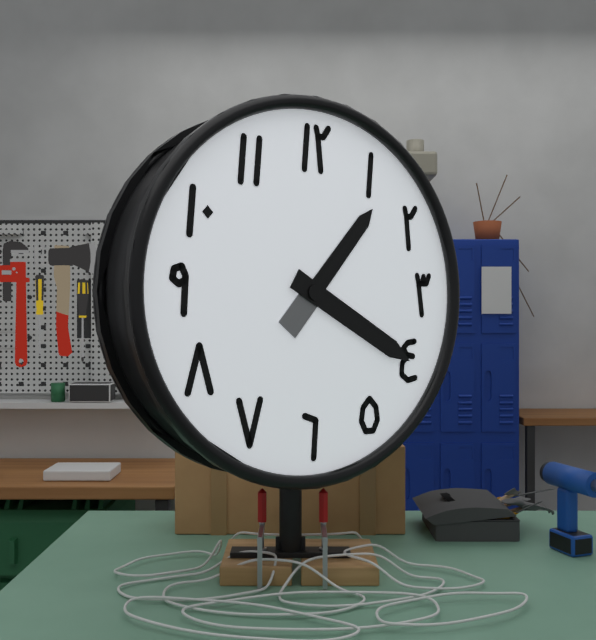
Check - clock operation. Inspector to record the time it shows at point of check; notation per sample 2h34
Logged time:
1h20
